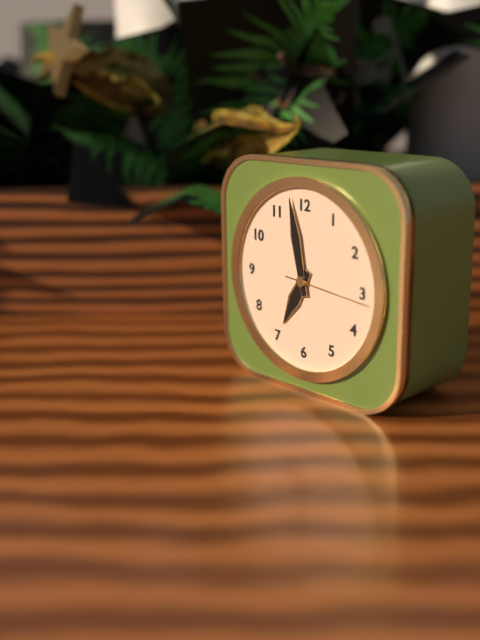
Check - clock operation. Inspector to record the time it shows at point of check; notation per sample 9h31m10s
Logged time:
6h58m16s
